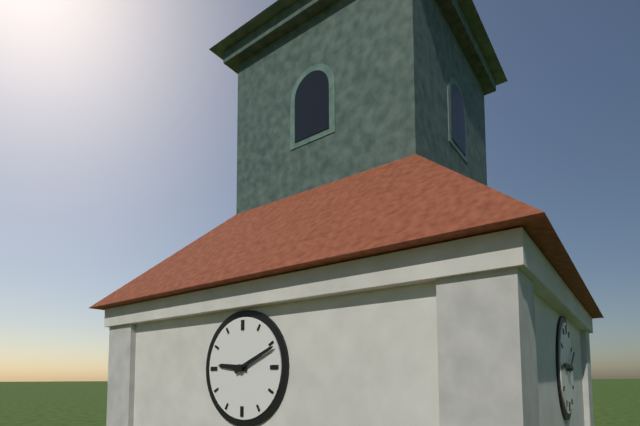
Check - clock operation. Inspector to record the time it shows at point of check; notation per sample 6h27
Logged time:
9h11
